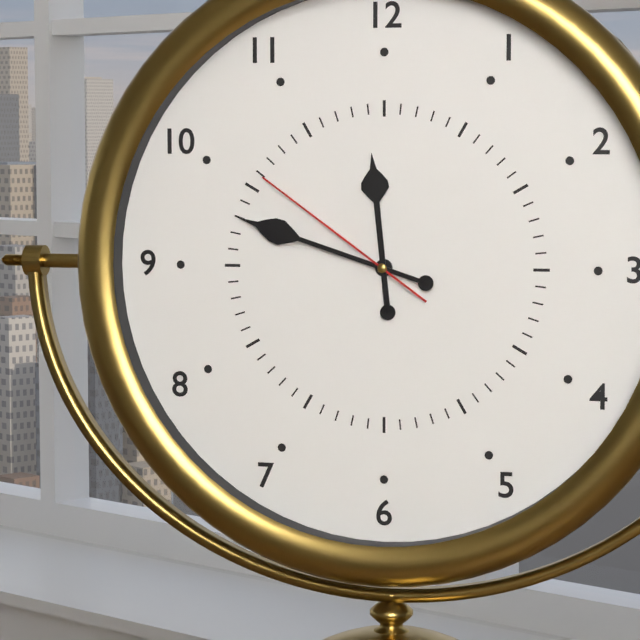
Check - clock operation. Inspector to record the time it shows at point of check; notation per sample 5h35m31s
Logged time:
11h48m51s
